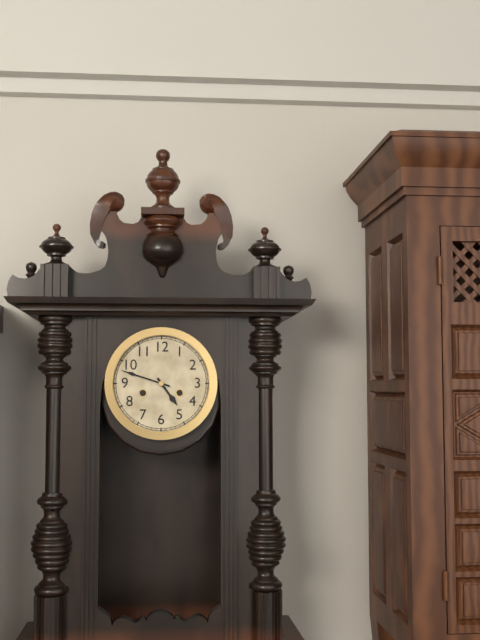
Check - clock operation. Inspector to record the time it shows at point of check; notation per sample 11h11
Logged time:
4h48
